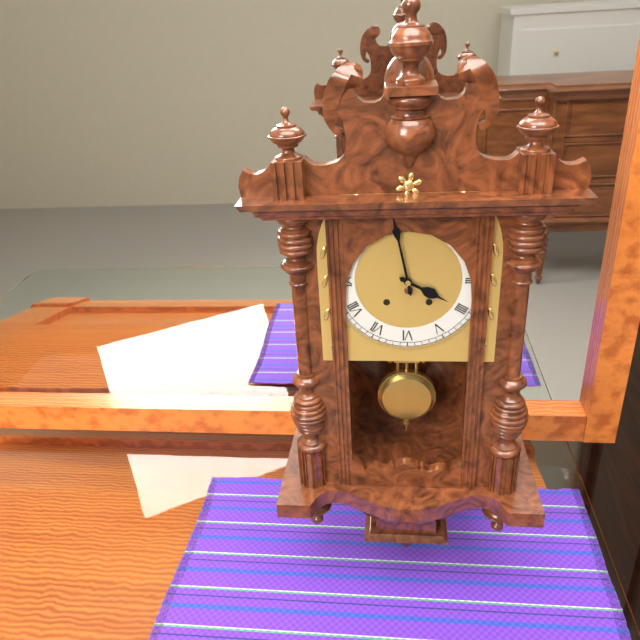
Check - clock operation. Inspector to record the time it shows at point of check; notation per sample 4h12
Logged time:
3h58
